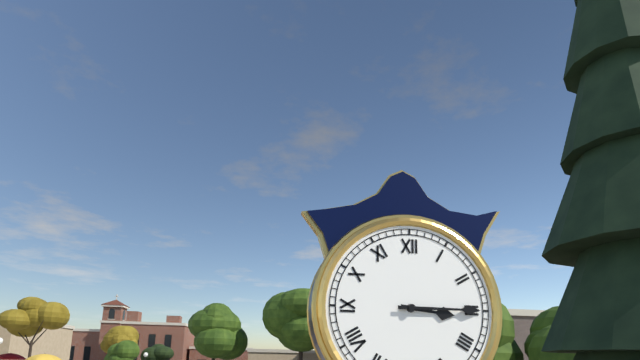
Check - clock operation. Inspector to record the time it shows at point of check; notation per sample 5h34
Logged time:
3h15
